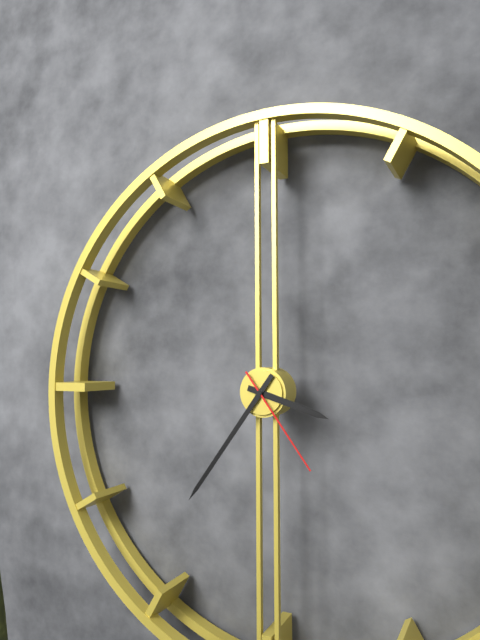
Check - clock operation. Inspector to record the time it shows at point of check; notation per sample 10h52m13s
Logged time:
3h36m24s
